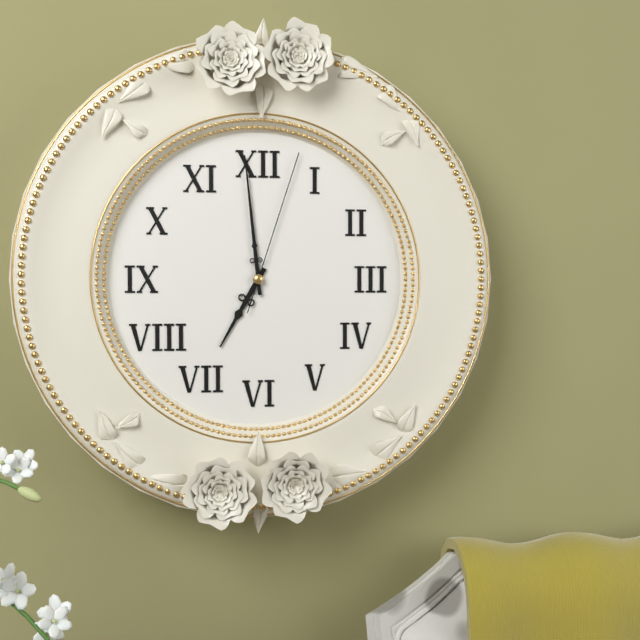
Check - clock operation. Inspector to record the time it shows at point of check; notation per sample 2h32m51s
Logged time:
6h59m03s
